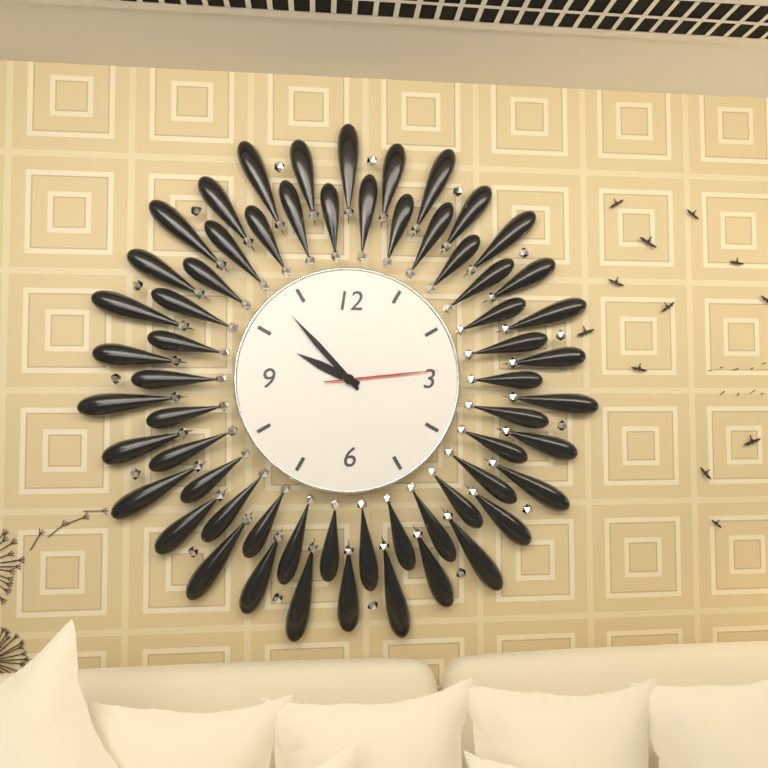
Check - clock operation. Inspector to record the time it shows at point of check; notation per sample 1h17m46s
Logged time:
9h53m14s
